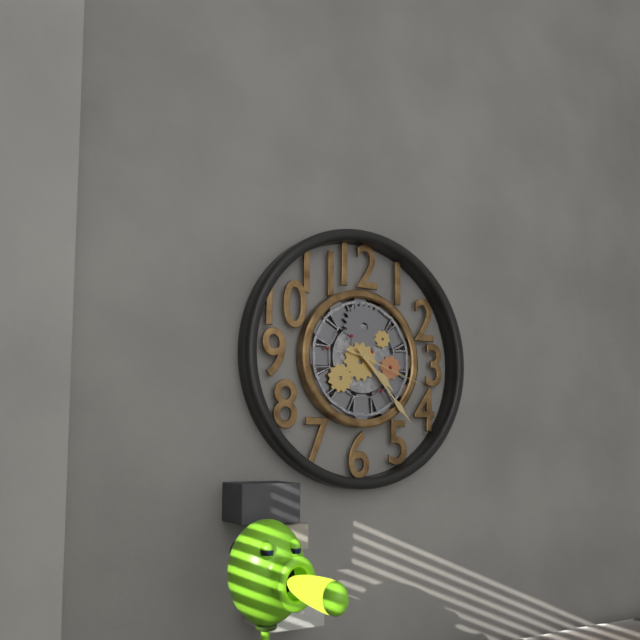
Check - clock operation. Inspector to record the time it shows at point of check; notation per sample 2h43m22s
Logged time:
4h23m18s
